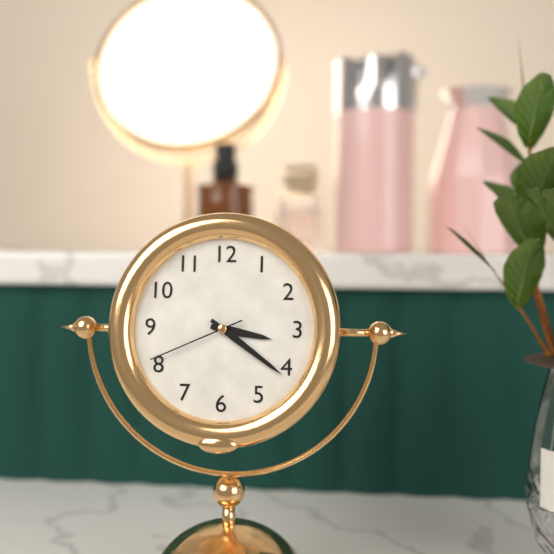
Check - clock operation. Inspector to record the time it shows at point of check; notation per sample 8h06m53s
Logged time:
3h21m41s
